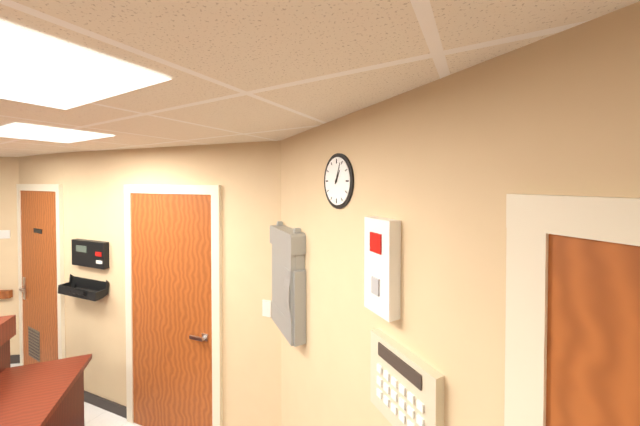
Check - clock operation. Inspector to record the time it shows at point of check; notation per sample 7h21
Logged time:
1h04
